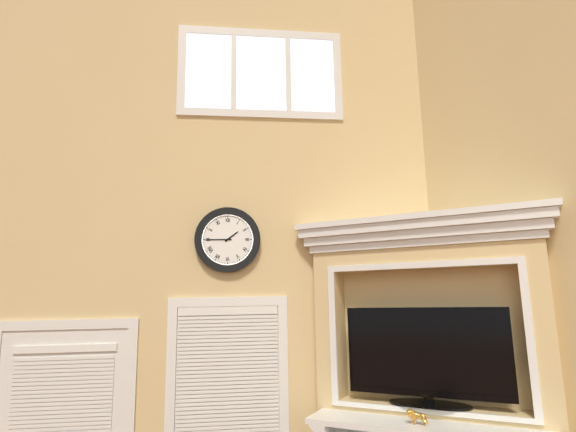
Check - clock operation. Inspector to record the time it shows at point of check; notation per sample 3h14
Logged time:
1h45
